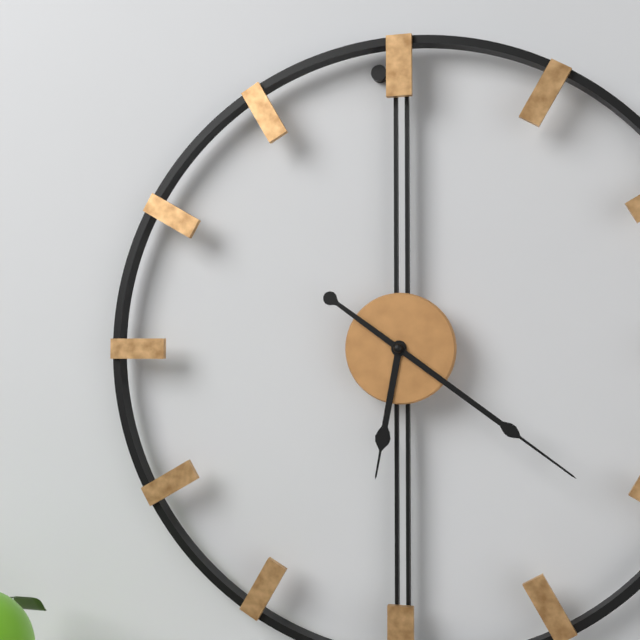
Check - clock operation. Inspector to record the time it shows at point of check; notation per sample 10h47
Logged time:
6h21
